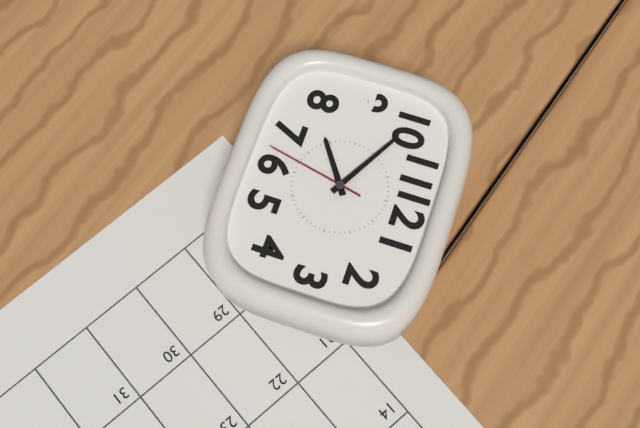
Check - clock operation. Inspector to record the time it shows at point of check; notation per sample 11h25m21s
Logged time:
7h50m32s
